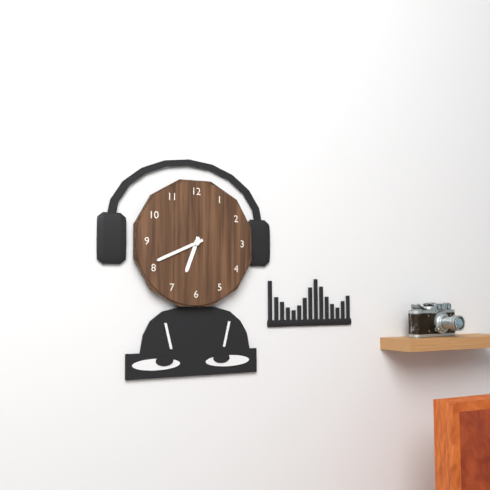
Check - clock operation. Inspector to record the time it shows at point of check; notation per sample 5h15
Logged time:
6h41
